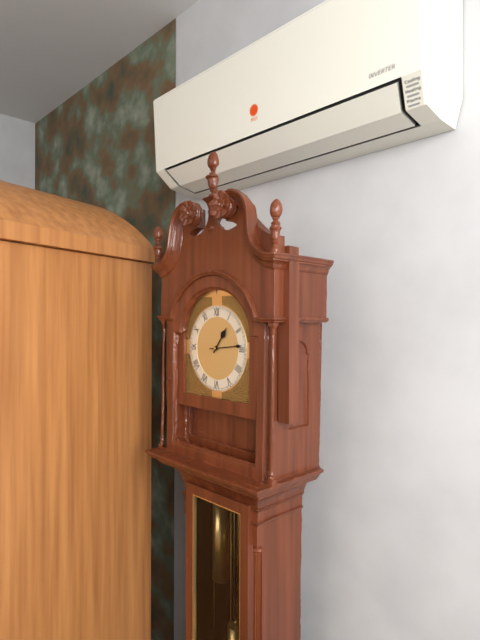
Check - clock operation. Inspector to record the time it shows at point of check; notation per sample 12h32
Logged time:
1h14
